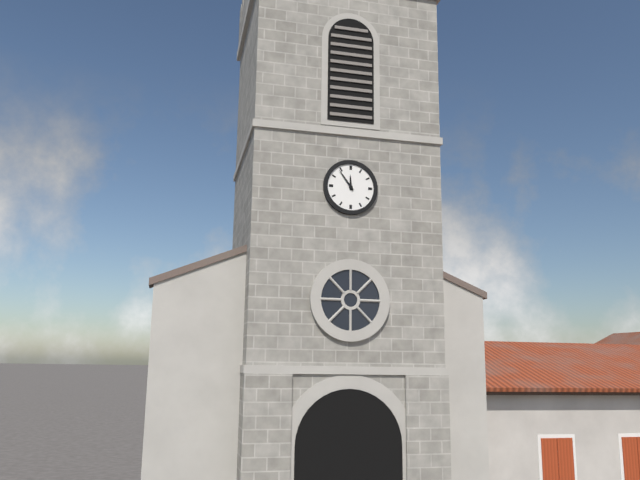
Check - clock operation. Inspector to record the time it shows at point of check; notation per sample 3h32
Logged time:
11h54
